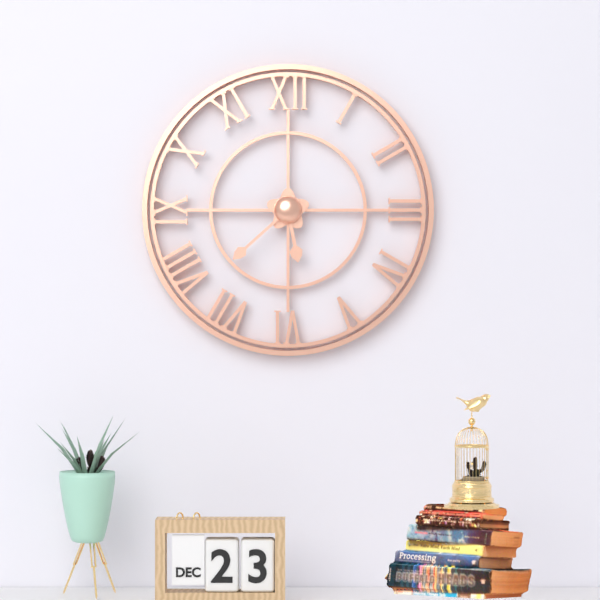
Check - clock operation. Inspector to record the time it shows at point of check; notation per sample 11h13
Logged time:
5h38
